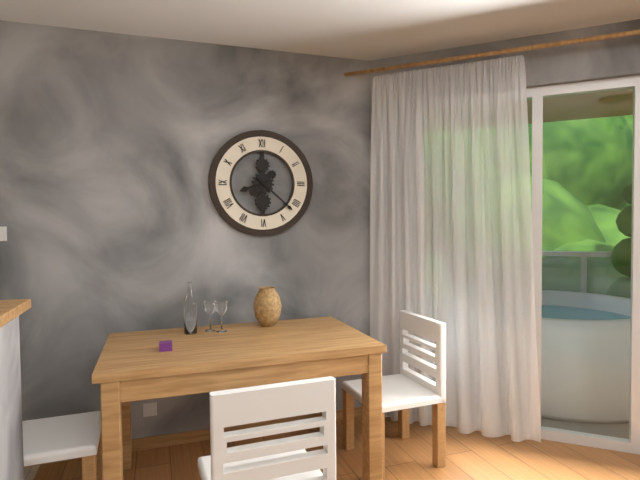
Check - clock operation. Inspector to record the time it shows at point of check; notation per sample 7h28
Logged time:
8h22
